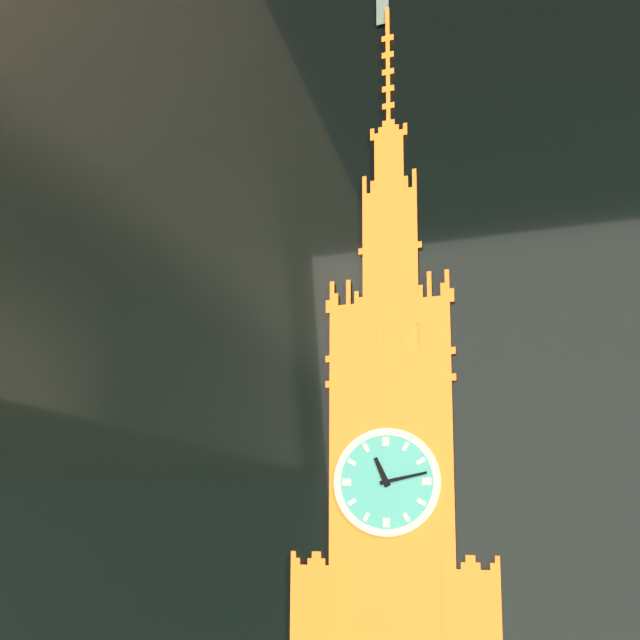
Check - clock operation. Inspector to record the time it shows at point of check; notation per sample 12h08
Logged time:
11h13
